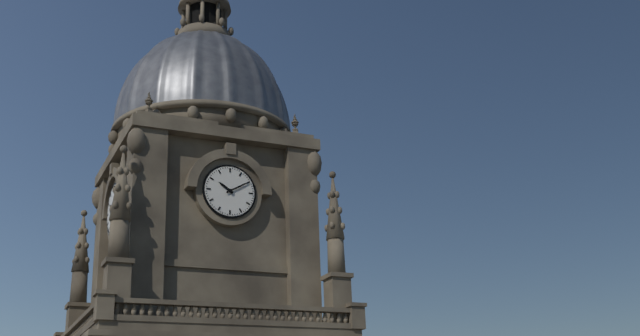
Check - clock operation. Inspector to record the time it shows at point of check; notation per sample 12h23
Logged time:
10h10
